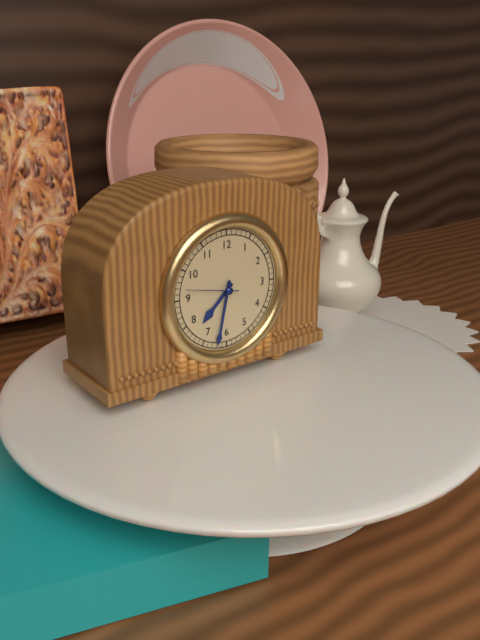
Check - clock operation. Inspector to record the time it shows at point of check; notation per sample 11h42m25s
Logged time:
7h32m47s
